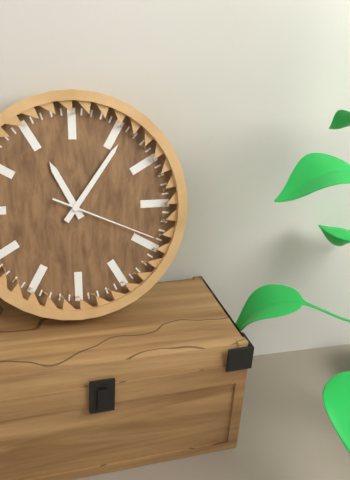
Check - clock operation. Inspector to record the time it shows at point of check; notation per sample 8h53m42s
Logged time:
11h06m19s
